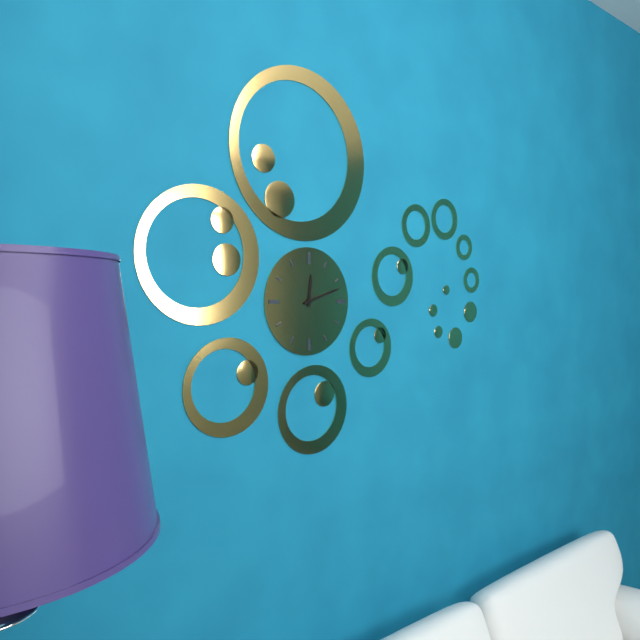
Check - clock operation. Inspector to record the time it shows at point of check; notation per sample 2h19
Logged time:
12h12
